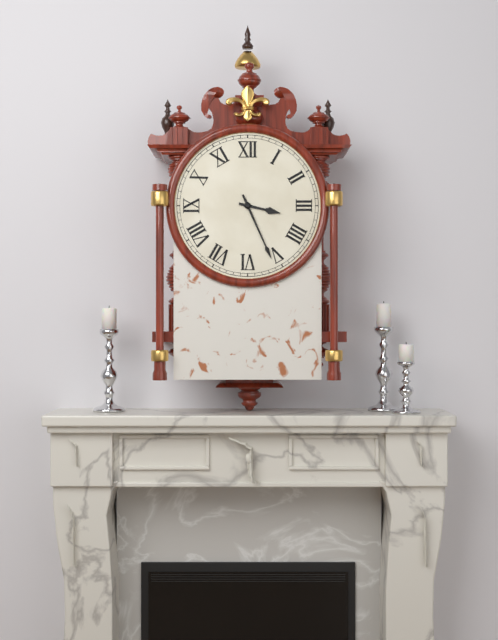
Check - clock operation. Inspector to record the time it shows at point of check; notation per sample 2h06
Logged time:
3h26
